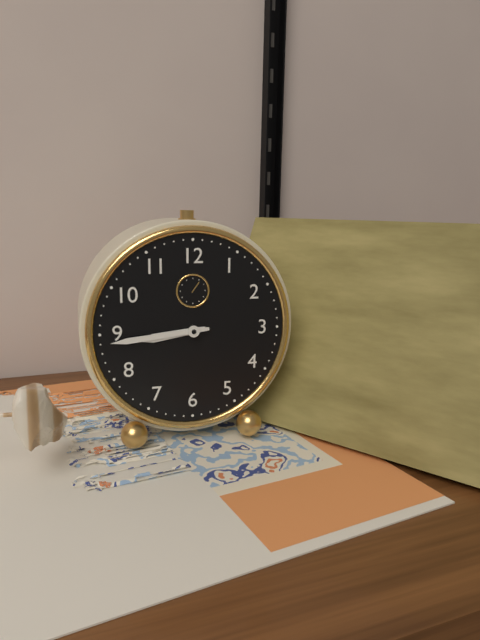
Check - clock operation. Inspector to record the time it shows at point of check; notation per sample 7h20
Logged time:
8h44
